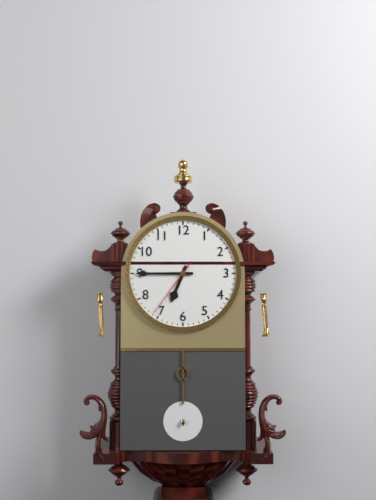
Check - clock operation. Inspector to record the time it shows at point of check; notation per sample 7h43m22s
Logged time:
6h45m36s
